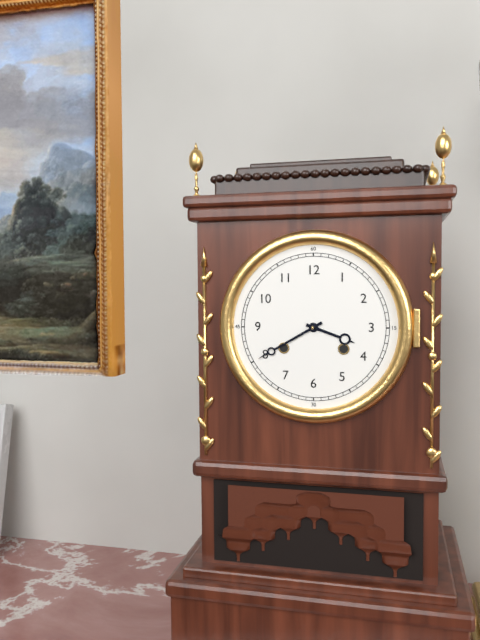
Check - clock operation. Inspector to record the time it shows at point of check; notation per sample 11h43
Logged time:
3h40
